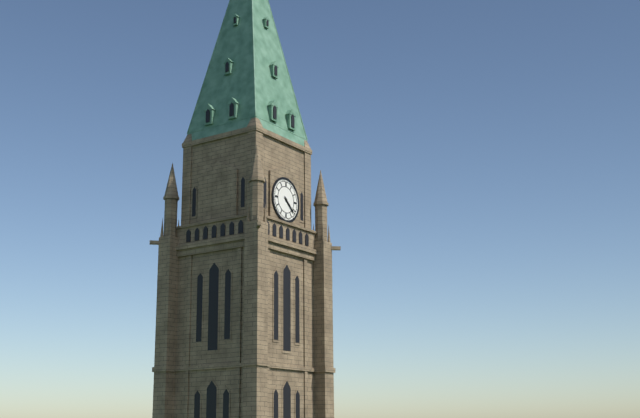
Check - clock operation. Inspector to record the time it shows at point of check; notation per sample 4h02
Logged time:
4h22
